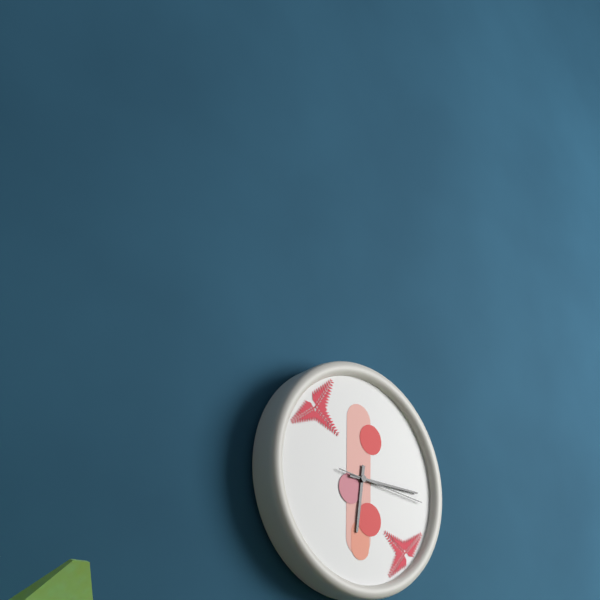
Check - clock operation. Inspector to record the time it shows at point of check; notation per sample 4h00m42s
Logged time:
6h15m16s
